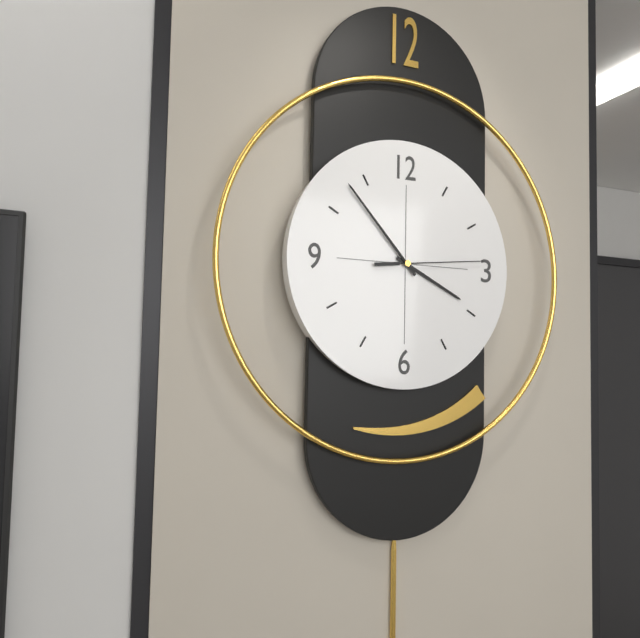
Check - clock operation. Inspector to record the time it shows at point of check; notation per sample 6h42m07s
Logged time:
3h53m14s
